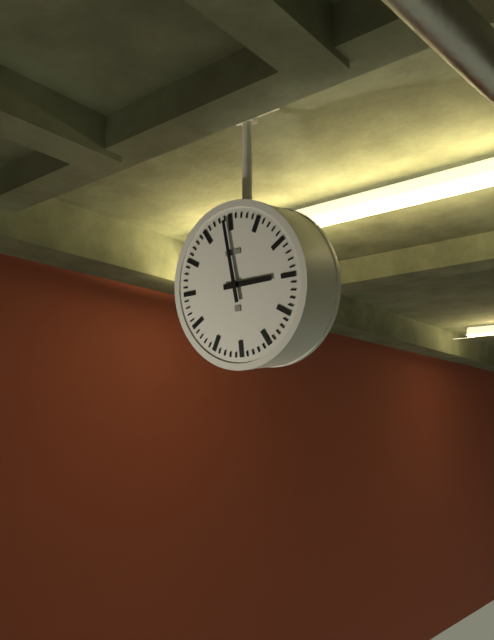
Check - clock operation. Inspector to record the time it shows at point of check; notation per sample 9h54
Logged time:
2h59
